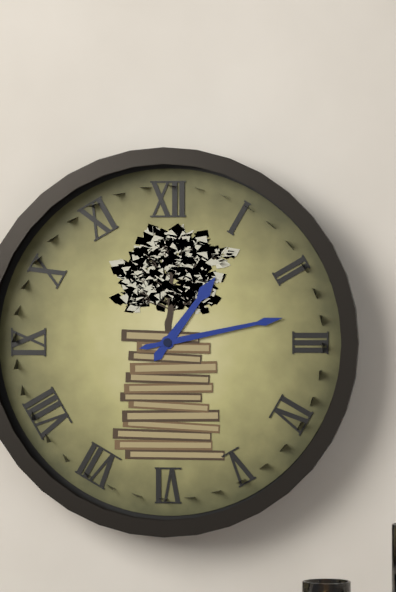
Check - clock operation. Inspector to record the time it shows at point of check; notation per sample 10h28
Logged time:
1h13
